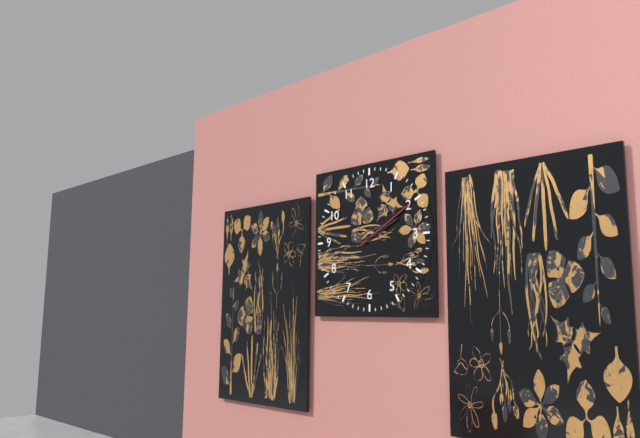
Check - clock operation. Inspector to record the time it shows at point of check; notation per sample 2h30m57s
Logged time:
2h10m10s
